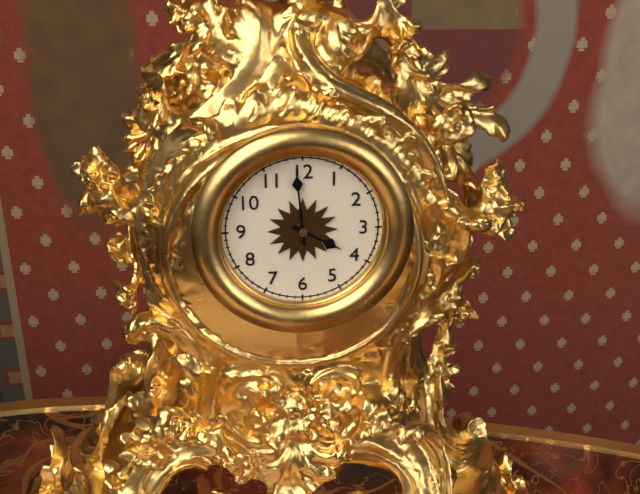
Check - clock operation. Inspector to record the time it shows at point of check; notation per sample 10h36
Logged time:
3h59
